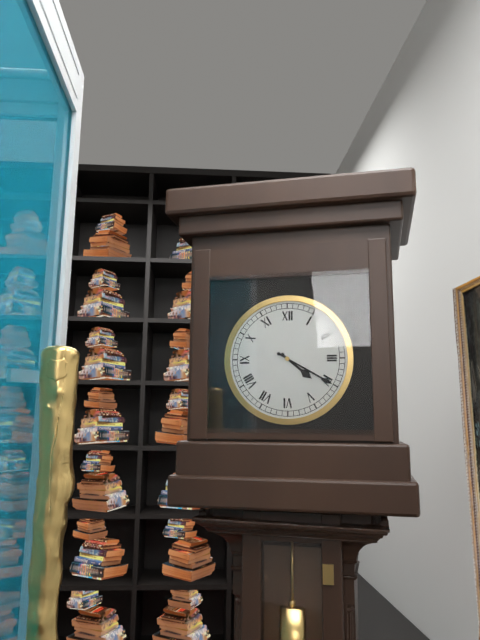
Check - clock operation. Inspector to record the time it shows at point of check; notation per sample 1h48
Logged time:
4h20
